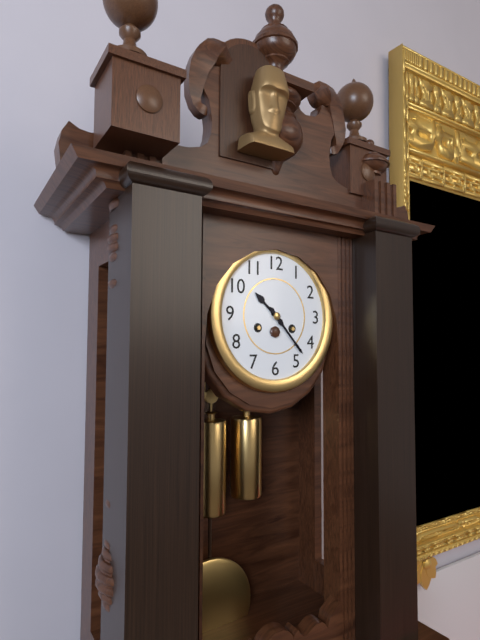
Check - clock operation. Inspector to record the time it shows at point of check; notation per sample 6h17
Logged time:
10h23
